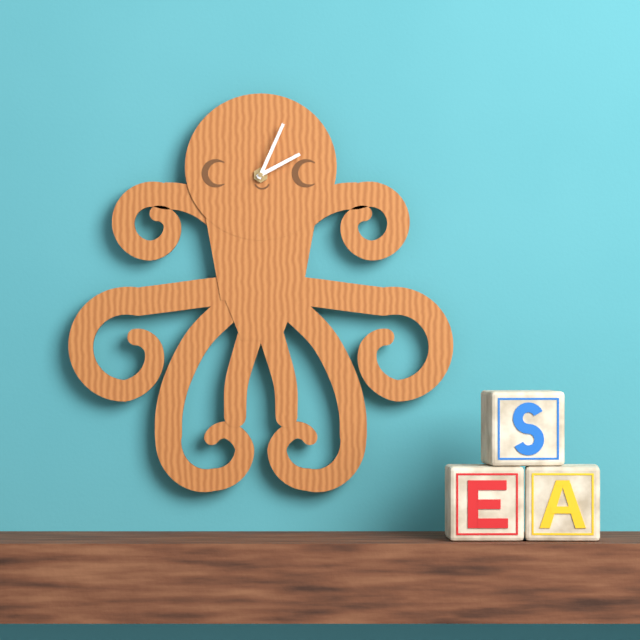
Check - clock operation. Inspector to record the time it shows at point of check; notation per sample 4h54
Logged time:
2h04
